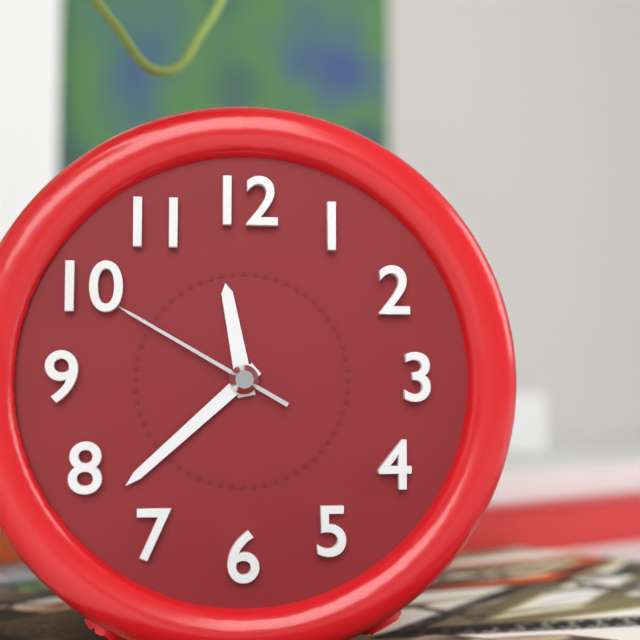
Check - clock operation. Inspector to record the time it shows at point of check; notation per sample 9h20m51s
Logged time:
11h38m50s
